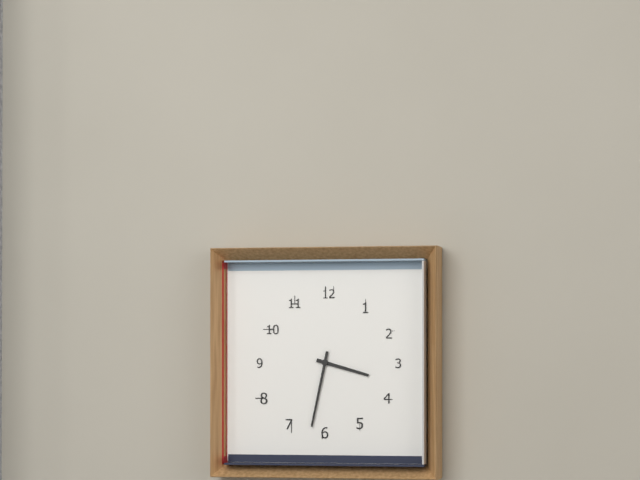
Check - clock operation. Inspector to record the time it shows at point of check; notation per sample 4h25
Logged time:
3h32
